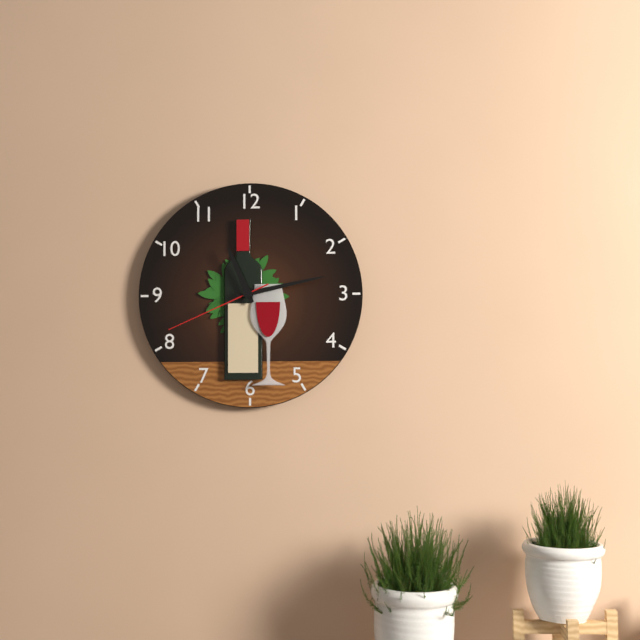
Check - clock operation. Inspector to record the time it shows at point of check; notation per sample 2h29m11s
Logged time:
11h13m41s
